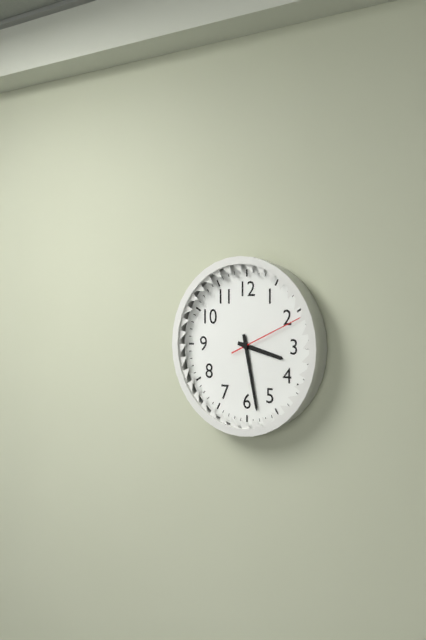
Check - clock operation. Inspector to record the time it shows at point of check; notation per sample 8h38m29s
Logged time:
3h28m11s
